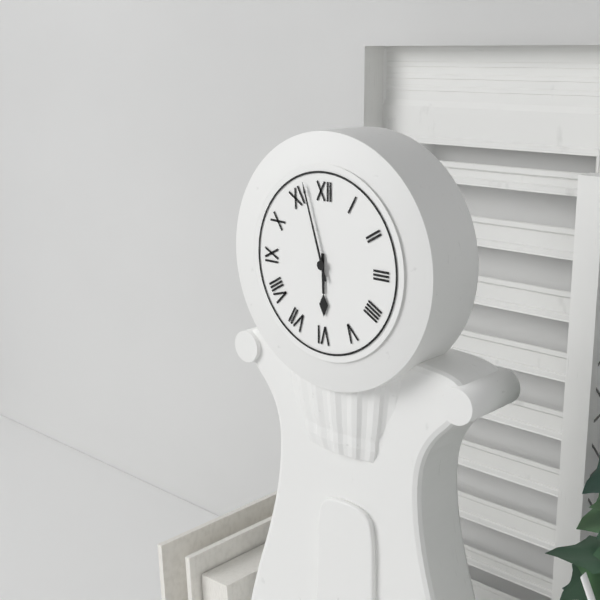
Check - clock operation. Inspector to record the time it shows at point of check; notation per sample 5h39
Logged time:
5h57
